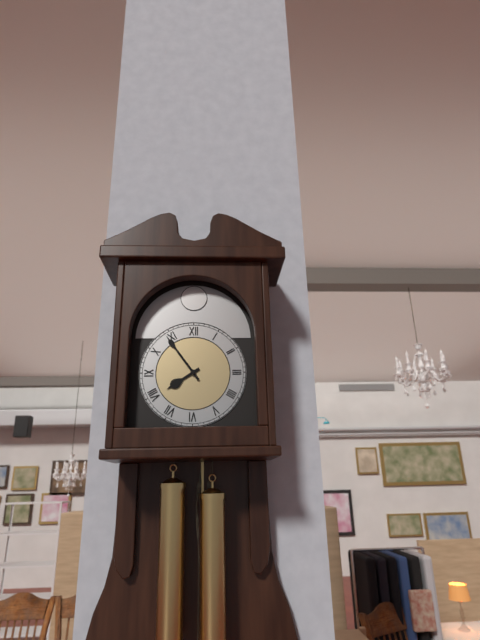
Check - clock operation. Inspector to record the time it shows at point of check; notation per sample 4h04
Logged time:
7h54
